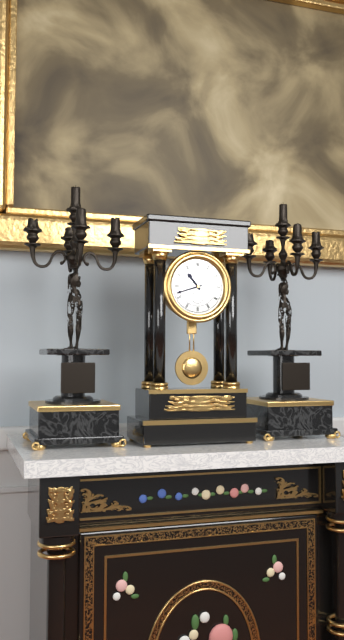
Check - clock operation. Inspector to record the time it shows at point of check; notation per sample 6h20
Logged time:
10h42
